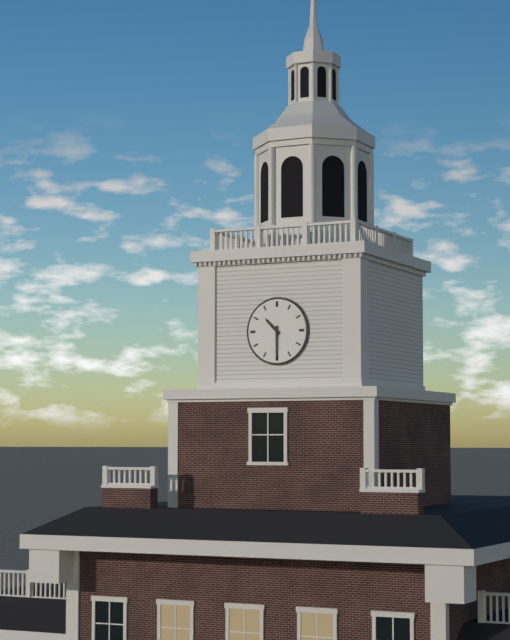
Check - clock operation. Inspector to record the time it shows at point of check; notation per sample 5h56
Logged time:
10h30
